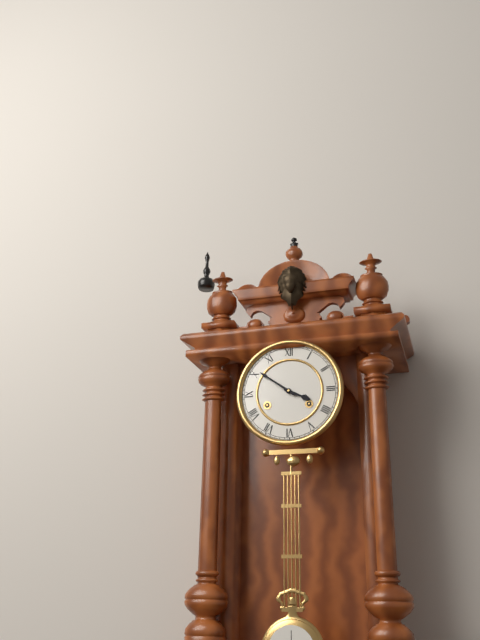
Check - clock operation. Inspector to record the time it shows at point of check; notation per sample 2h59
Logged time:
3h51
